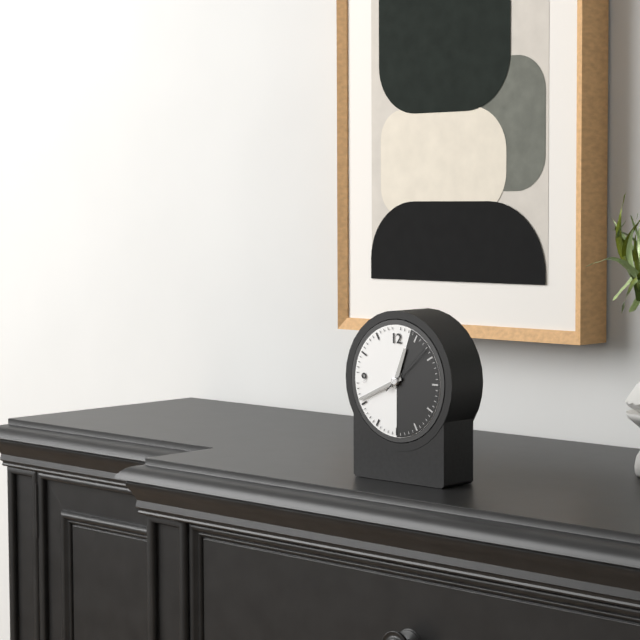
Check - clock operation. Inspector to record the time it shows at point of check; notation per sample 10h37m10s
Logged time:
12h41m08s
